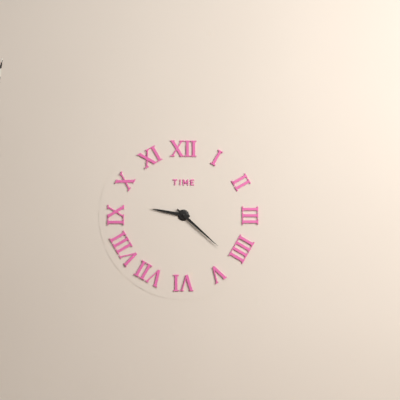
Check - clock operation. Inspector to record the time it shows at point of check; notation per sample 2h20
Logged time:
9h22
